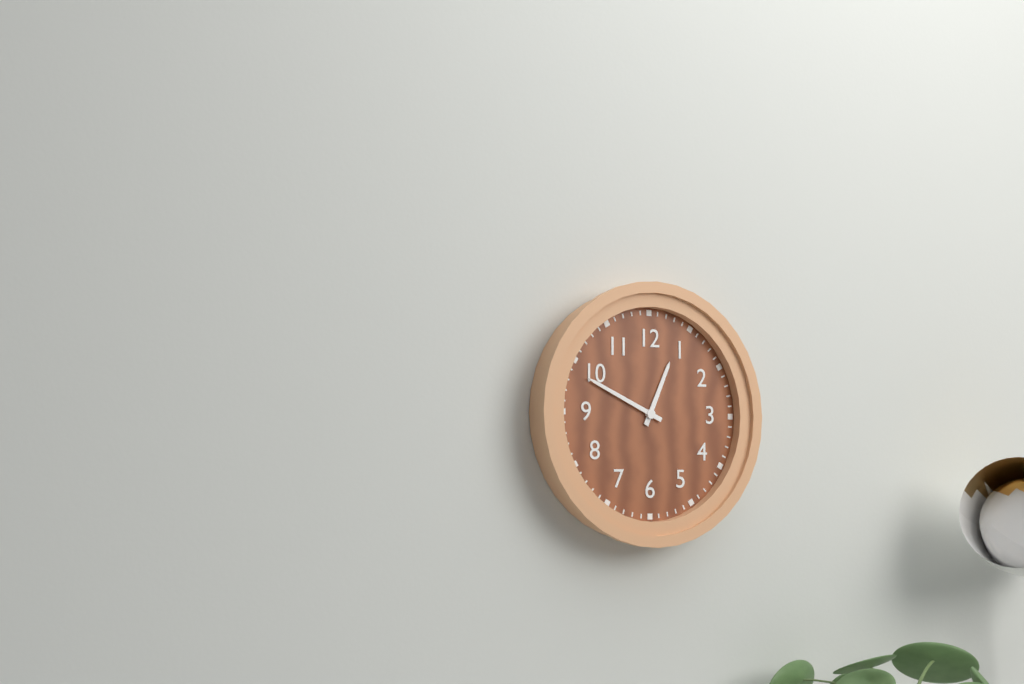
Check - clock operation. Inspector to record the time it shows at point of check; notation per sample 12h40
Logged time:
12h49
